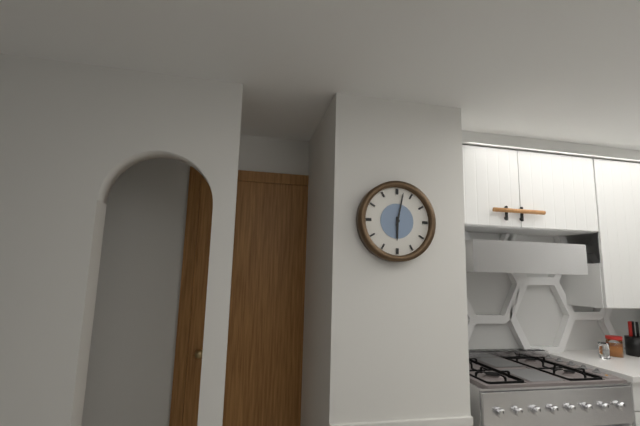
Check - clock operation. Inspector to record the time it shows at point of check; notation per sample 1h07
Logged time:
6h02
